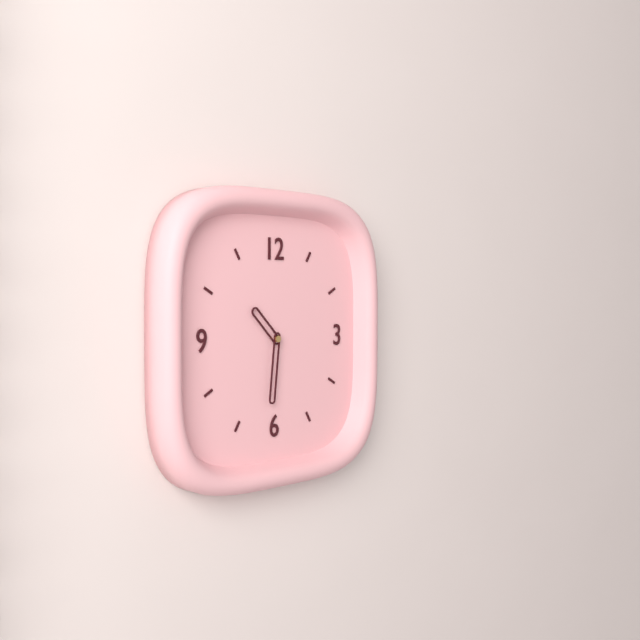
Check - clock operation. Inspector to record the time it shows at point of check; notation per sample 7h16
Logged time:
10h31
